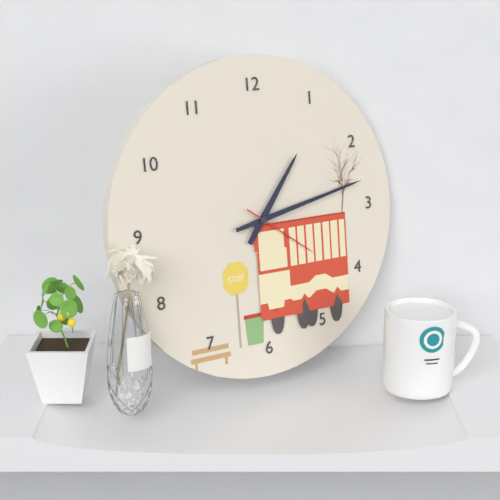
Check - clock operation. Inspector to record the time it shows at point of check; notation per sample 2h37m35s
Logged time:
1h13m21s
